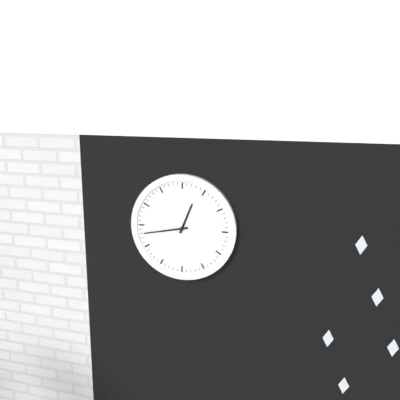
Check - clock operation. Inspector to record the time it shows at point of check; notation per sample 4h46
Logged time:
12h43
